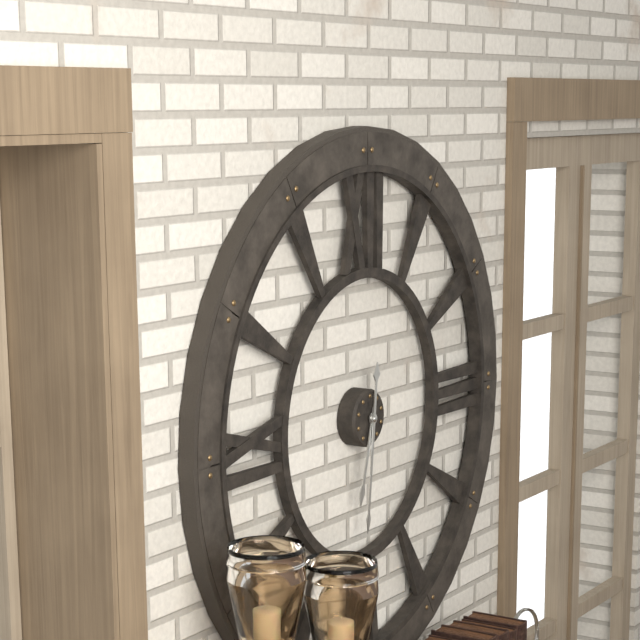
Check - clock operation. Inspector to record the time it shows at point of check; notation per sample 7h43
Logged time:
6h31
